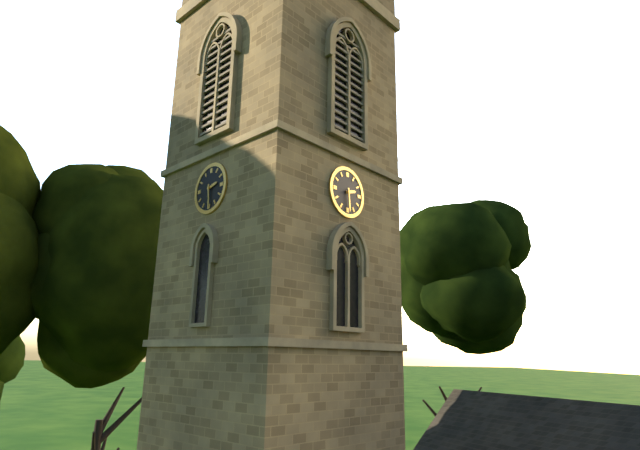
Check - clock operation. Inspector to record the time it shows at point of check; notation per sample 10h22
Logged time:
2h29
